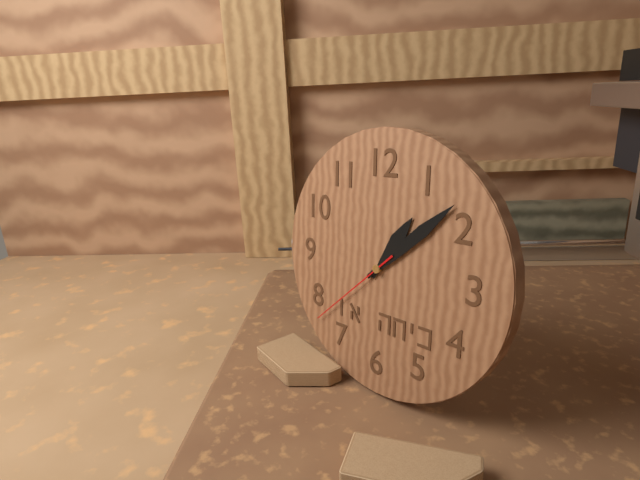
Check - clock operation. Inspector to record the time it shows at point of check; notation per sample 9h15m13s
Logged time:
1h08m38s
